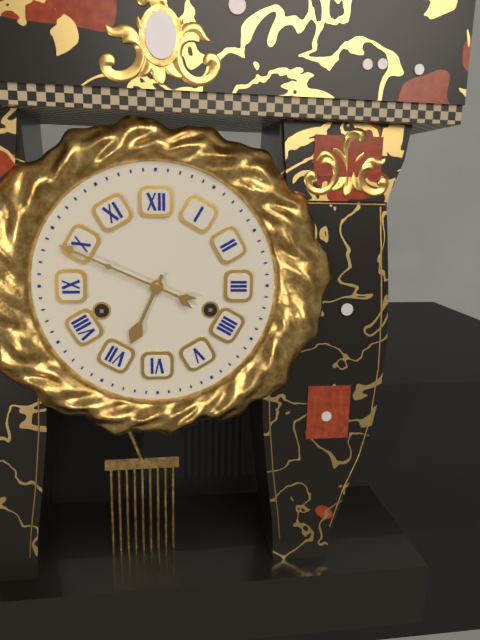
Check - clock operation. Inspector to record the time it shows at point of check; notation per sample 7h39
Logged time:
6h49
